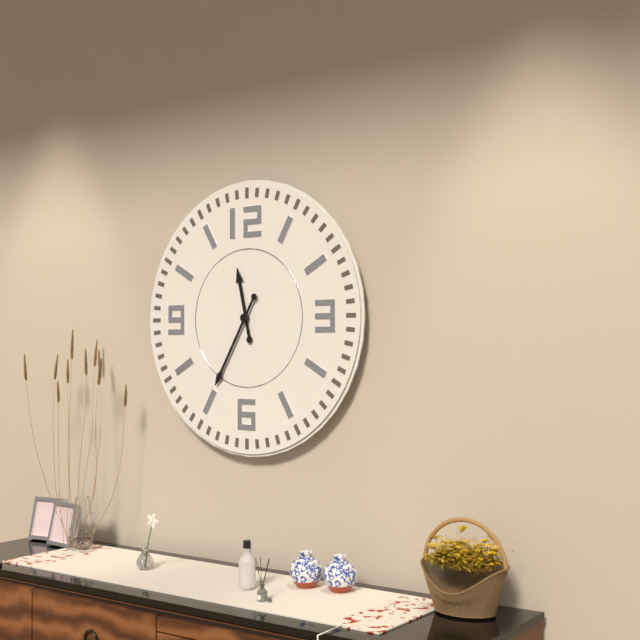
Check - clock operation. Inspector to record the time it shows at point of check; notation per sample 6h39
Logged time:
11h35
